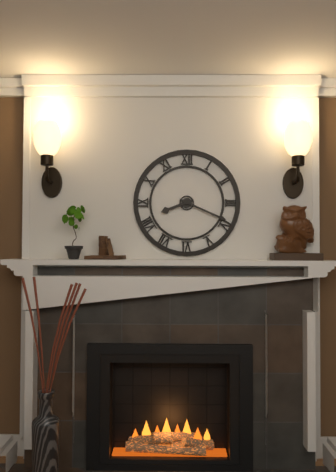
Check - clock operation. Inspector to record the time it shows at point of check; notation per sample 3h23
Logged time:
8h19
